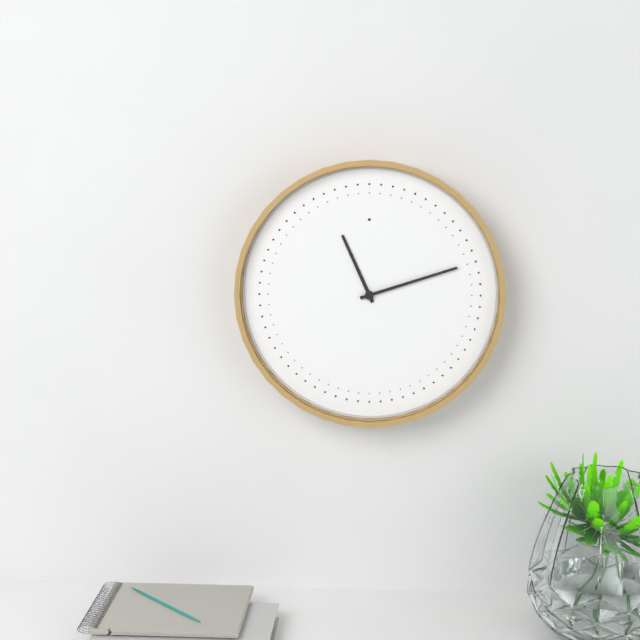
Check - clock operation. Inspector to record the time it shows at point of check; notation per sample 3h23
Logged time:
11h12
